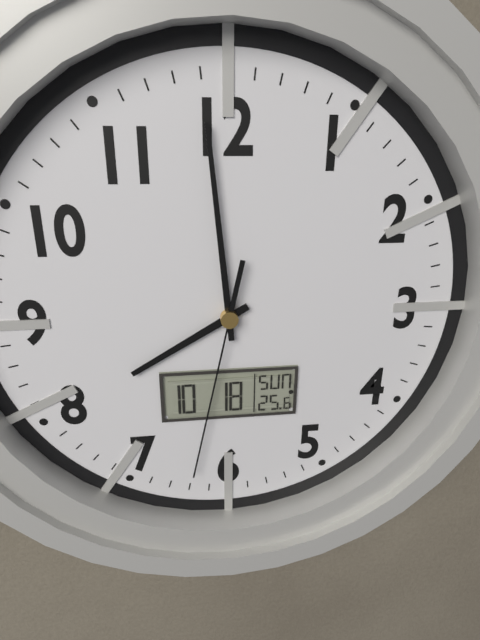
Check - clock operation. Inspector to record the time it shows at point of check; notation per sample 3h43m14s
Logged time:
7h59m32s
